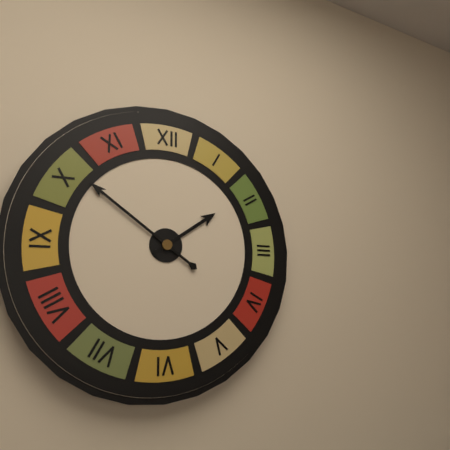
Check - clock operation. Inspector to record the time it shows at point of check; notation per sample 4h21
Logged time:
1h51
